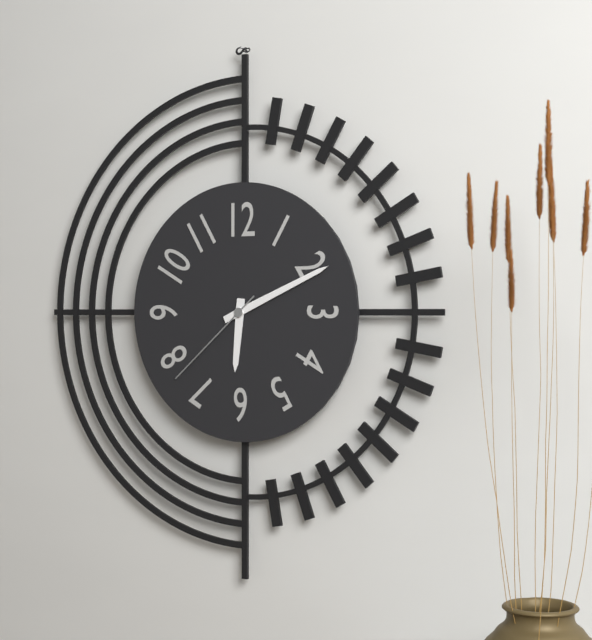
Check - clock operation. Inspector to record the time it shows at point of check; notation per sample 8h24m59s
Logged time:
6h11m38s
